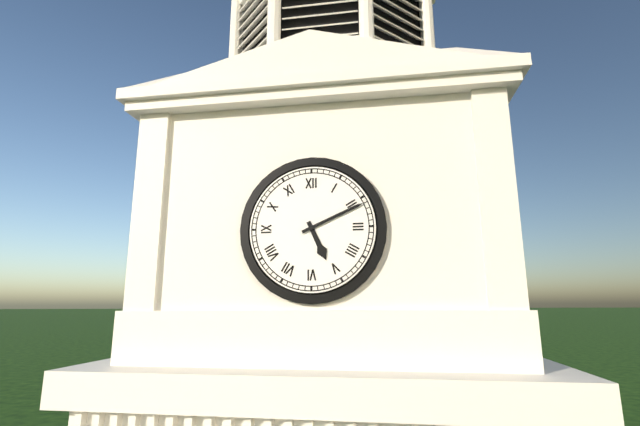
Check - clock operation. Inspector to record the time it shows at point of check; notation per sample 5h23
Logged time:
5h11
